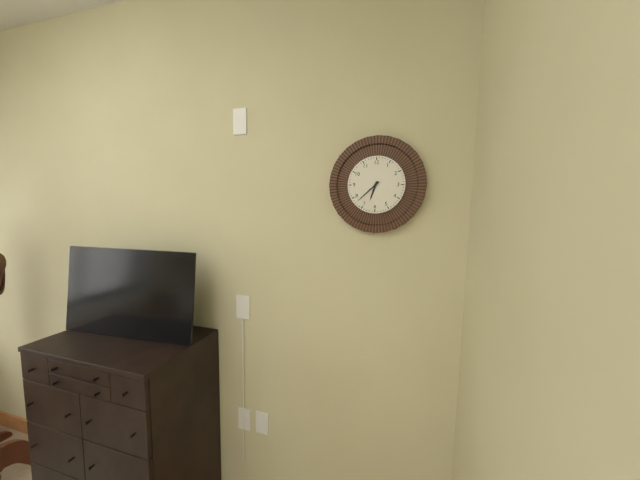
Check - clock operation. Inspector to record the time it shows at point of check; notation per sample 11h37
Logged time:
6h38
